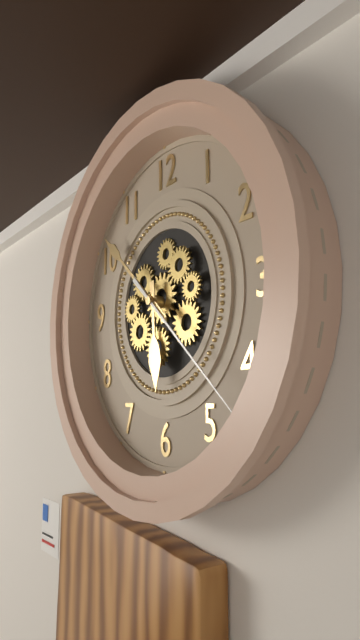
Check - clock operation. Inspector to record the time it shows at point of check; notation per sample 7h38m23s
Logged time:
5h52m22s
